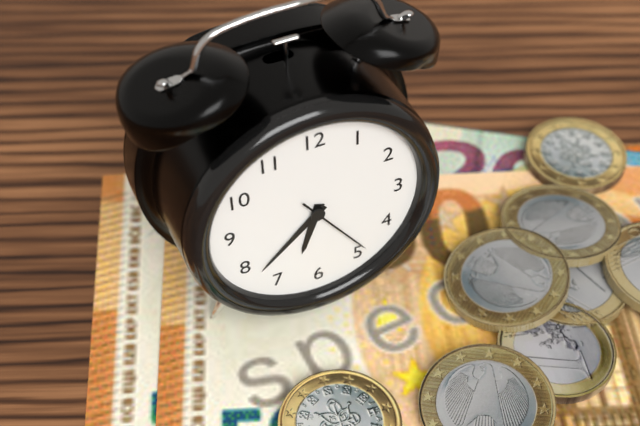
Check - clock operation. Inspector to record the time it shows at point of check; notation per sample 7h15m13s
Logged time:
6h38m24s
